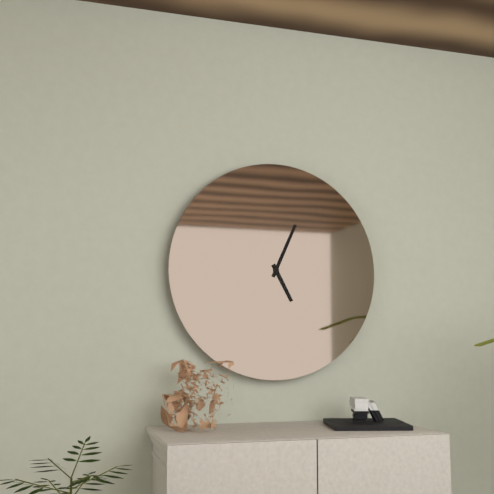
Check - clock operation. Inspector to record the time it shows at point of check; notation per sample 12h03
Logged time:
5h04
